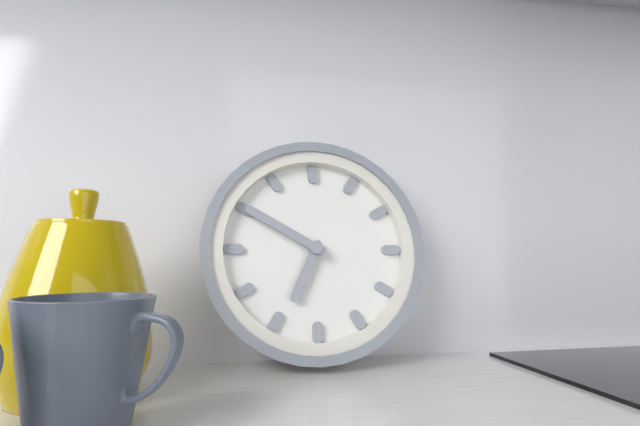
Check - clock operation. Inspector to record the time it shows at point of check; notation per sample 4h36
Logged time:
6h50
